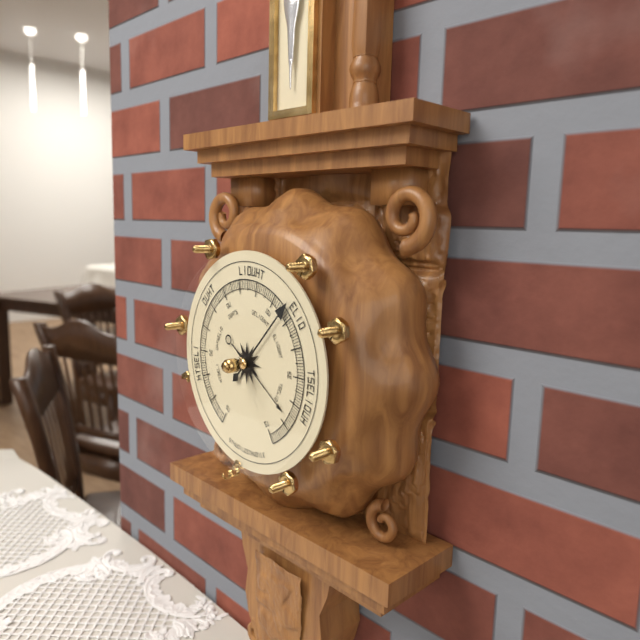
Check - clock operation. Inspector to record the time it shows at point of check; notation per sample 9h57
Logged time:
4h07
